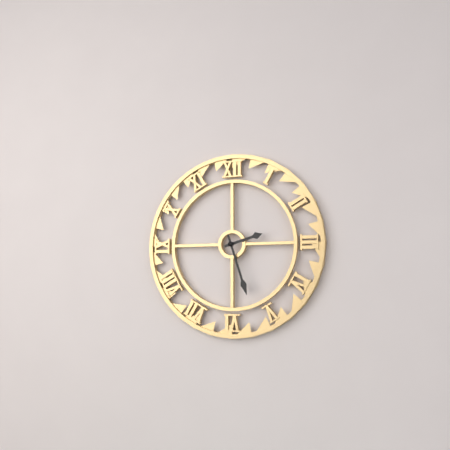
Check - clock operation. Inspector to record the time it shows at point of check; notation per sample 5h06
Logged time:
2h27
